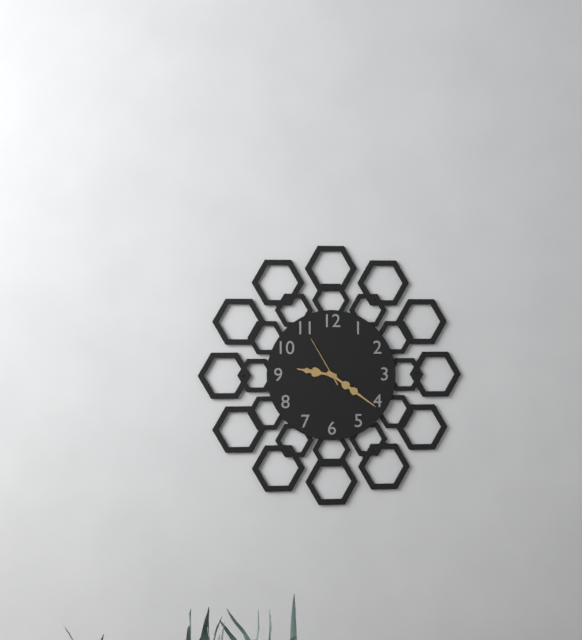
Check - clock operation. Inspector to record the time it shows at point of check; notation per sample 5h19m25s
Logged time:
9h21m55s
